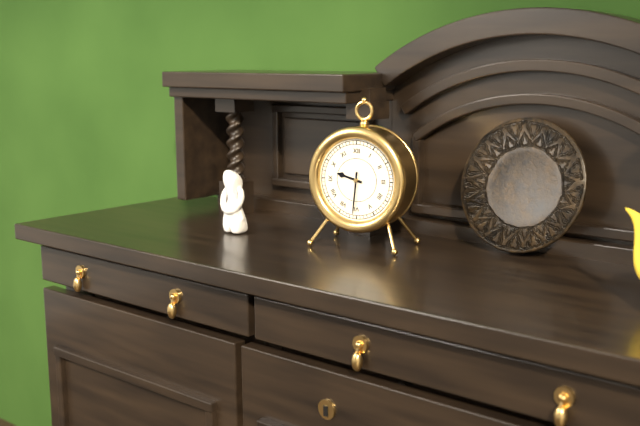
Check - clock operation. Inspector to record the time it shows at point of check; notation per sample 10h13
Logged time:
9h31
